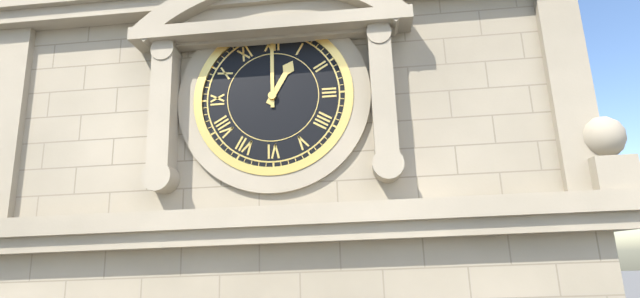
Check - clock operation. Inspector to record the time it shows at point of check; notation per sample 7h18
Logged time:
1h00
